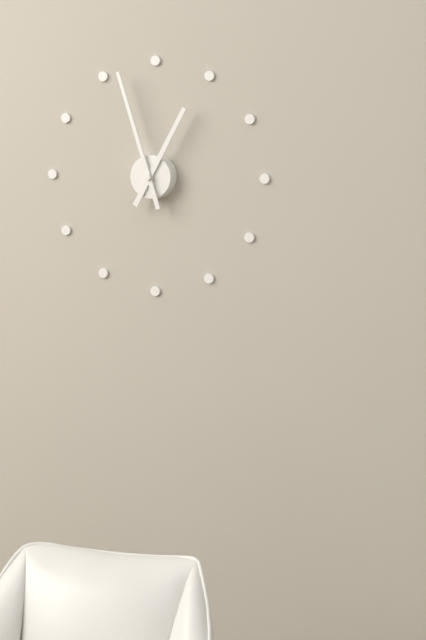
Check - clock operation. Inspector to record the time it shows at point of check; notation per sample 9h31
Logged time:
12h57
